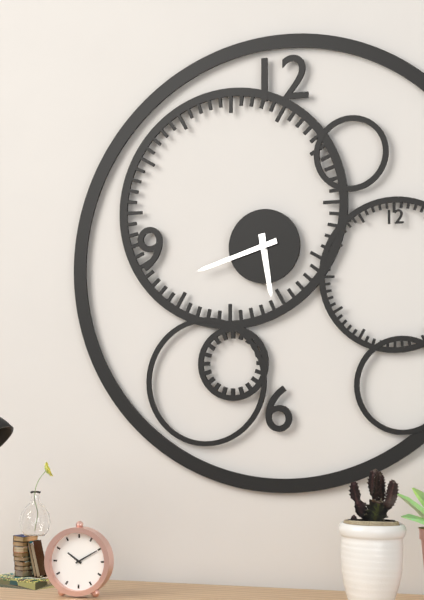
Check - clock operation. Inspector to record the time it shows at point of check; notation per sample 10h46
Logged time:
5h42
